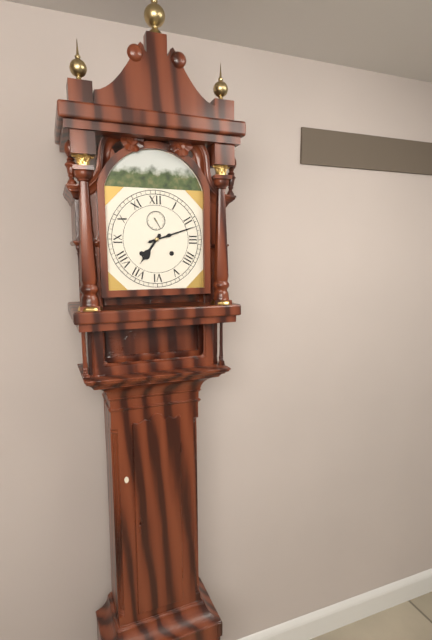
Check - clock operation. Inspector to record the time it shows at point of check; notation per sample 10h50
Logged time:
7h12
